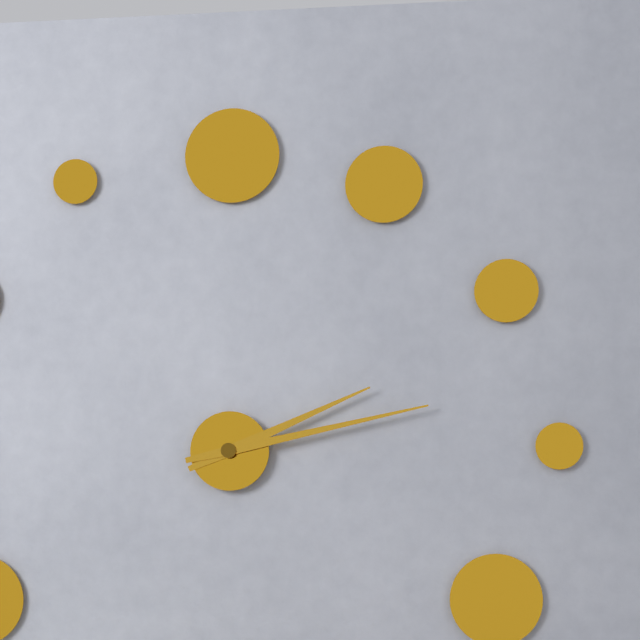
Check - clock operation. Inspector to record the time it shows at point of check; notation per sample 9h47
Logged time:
2h13
